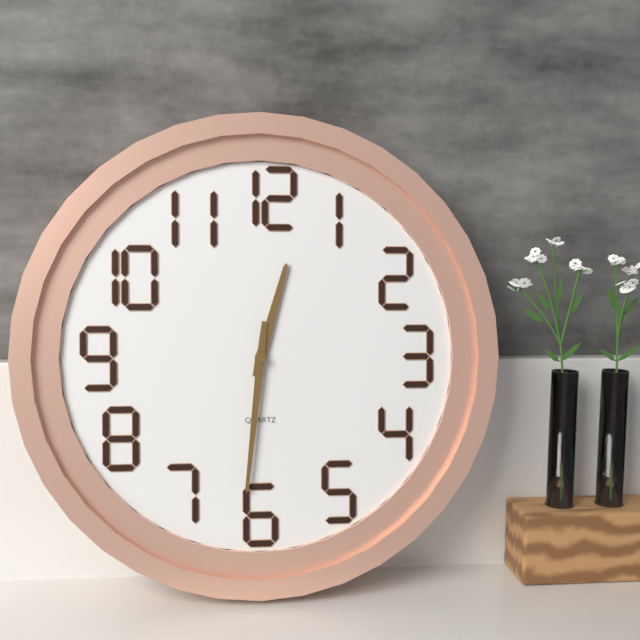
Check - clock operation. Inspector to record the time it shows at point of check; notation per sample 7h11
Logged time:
12h31
